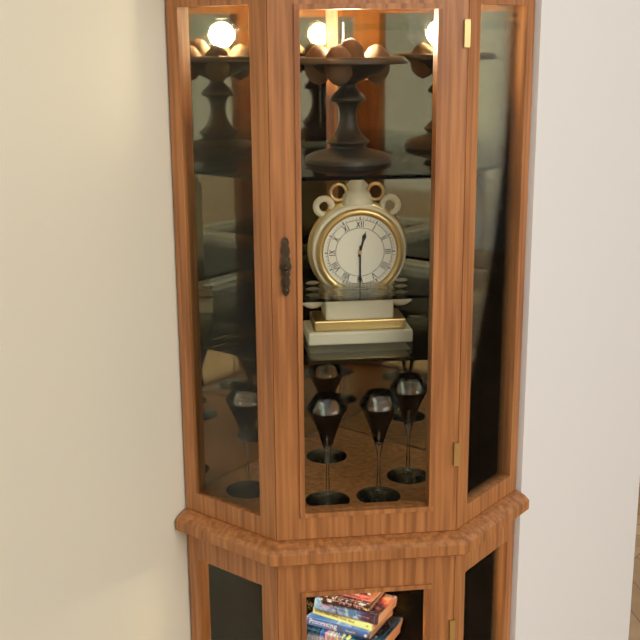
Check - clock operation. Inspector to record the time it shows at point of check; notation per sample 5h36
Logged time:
12h30
